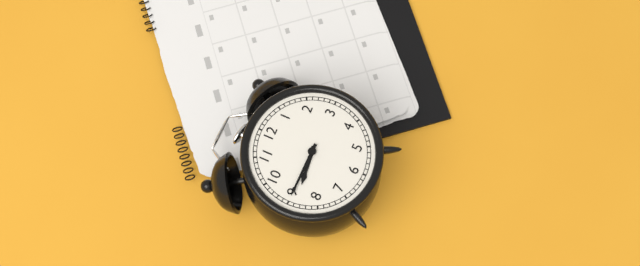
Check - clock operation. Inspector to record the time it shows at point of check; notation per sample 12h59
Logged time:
8h45
